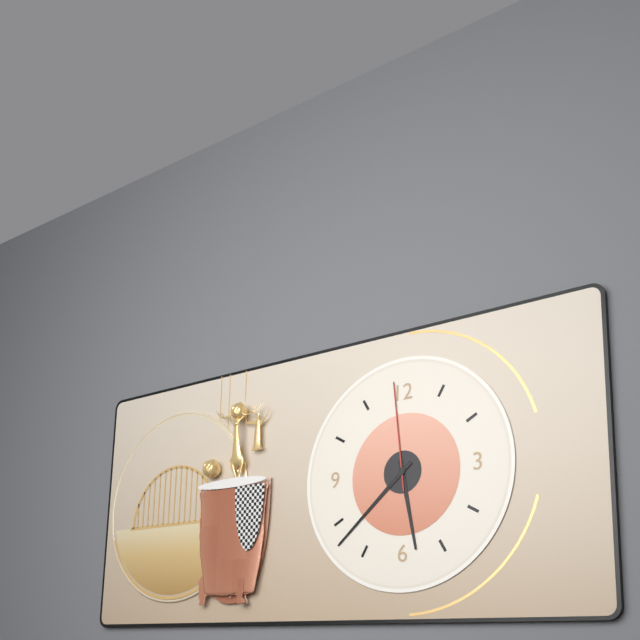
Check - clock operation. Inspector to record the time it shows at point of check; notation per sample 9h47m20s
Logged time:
5h38m59s
